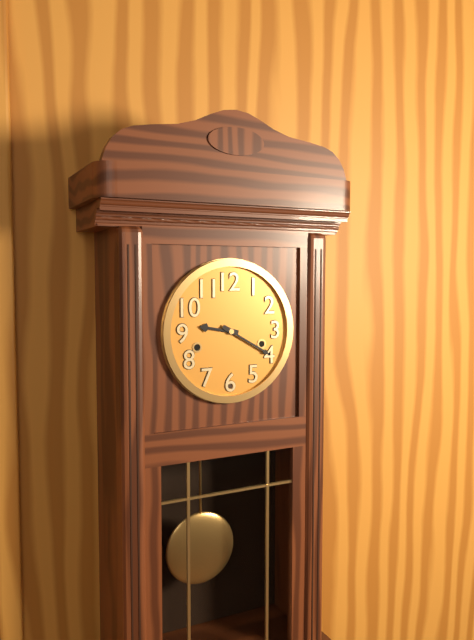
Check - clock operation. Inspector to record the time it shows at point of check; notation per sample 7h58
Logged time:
9h20
